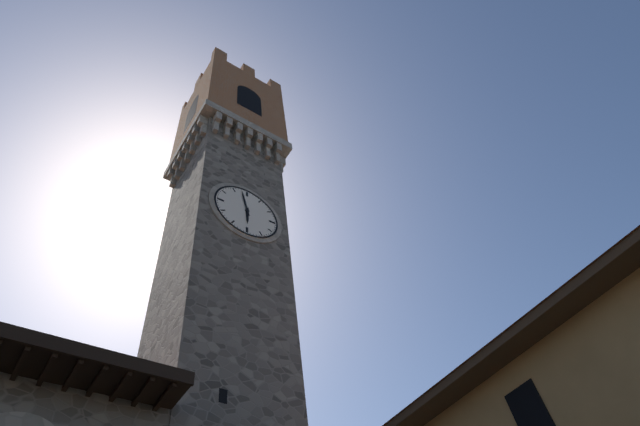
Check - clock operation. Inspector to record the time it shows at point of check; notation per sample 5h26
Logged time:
5h58
